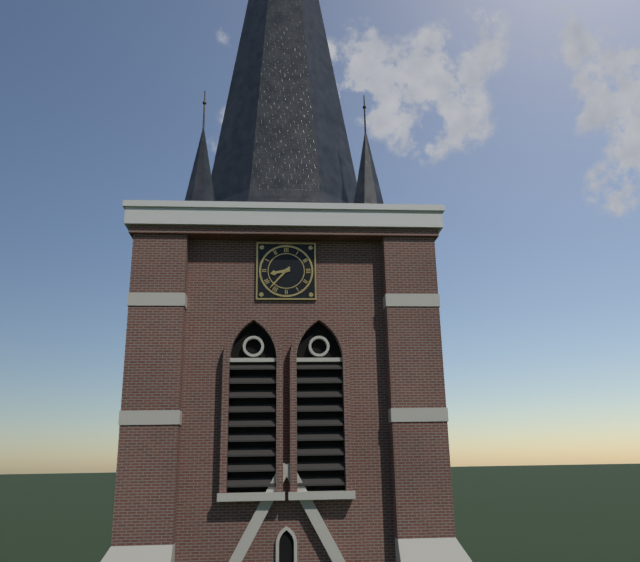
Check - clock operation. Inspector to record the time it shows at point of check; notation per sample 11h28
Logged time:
8h37
